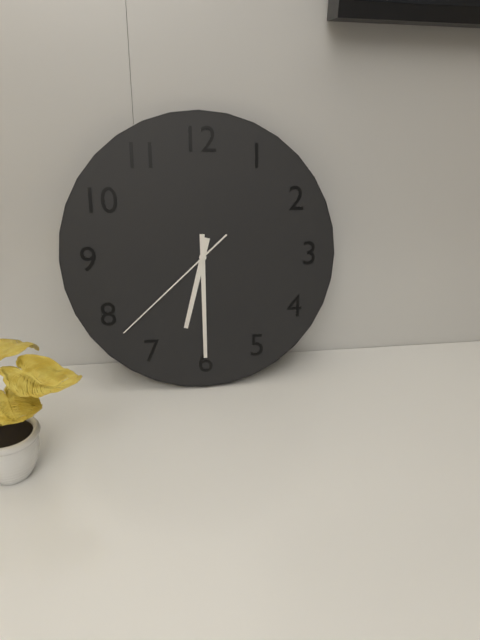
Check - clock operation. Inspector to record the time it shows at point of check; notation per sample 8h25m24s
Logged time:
6h30m38s
